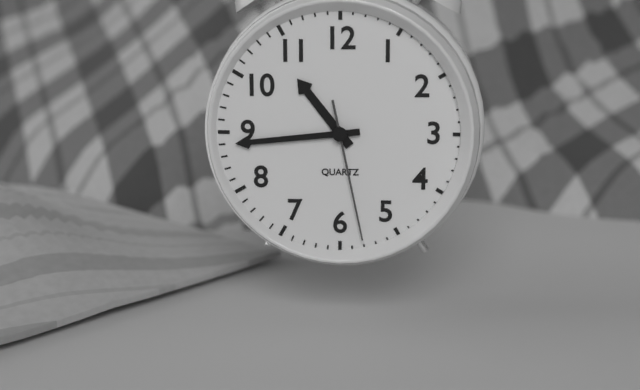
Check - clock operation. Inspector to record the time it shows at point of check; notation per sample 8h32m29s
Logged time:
10h44m28s
